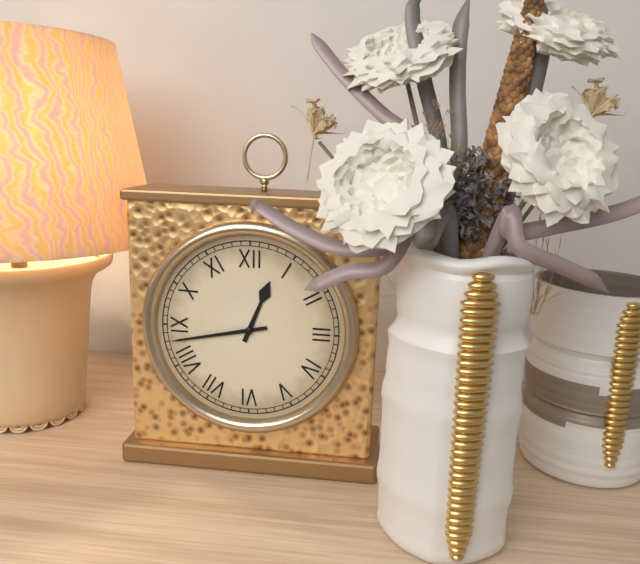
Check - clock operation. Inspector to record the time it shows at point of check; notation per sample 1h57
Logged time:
12h43
